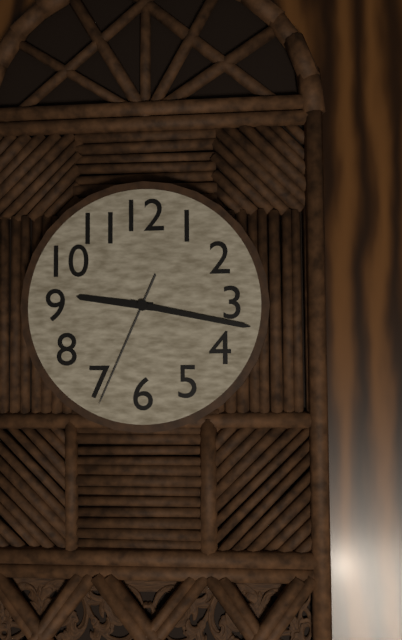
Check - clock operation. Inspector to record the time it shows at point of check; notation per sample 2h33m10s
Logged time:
9h17m34s
